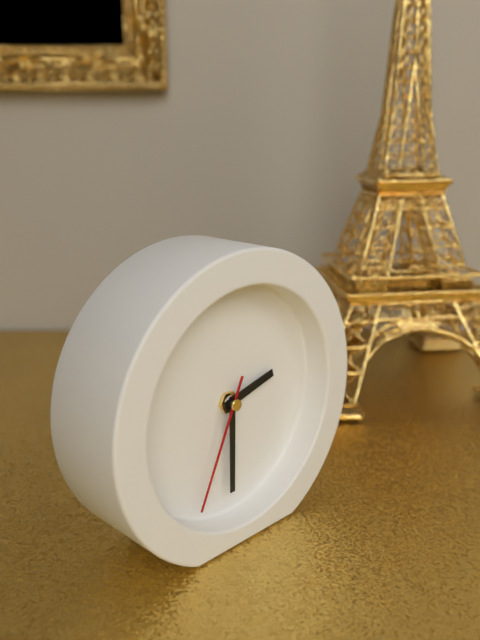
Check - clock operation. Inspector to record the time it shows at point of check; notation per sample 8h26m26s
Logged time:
2h30m34s
